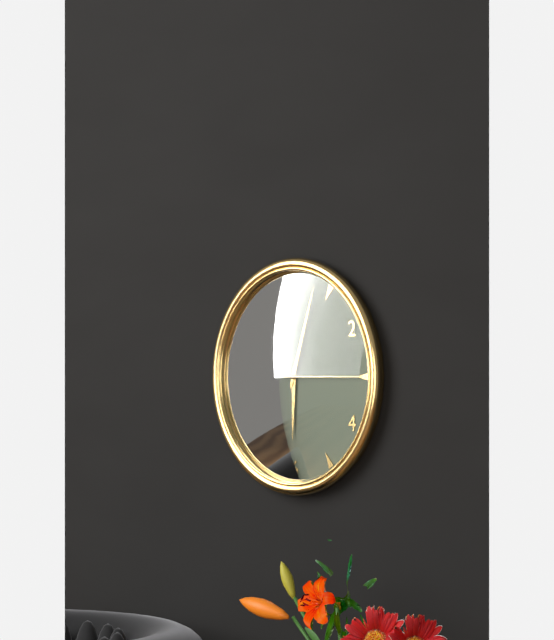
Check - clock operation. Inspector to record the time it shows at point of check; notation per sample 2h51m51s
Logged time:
6h03m15s
